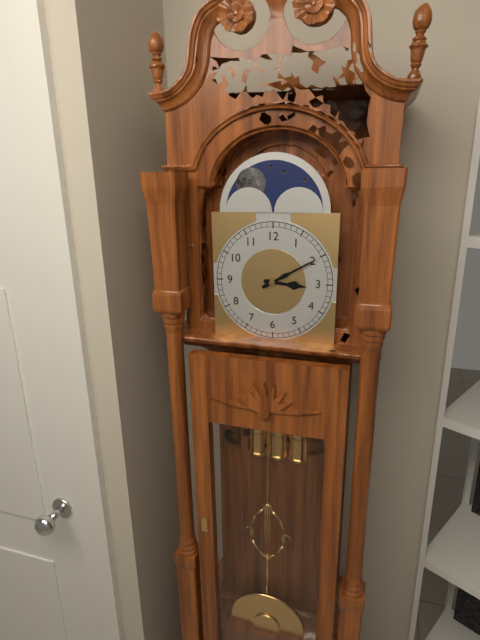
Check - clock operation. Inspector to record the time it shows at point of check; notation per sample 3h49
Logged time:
3h10
